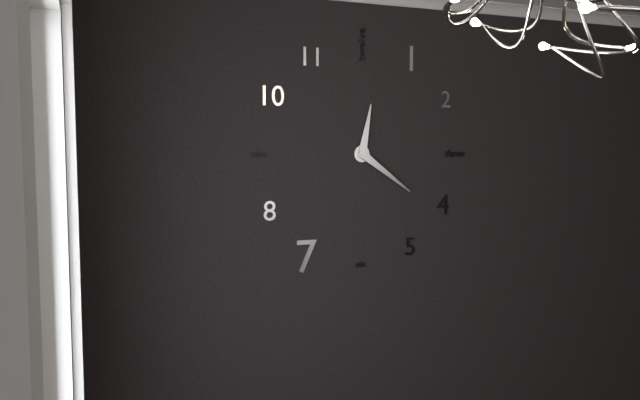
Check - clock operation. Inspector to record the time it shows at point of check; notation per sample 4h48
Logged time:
12h21
